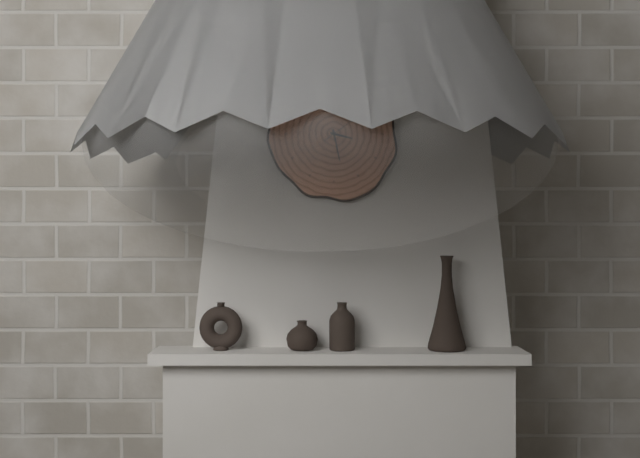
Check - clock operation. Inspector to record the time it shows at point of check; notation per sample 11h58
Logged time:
3h28
